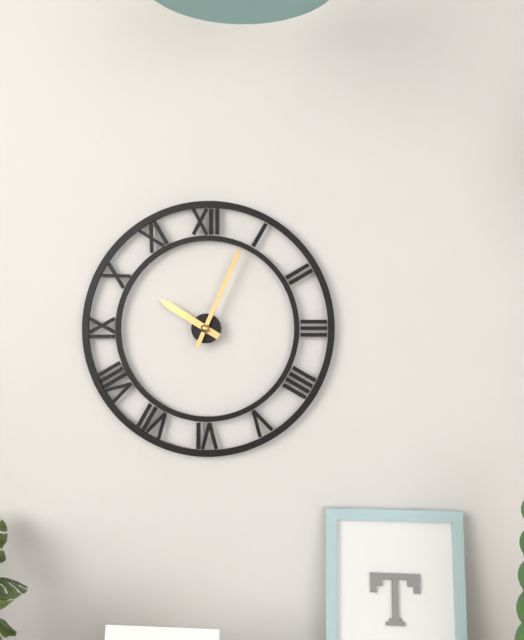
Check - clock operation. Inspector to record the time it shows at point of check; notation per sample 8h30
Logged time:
10h04
